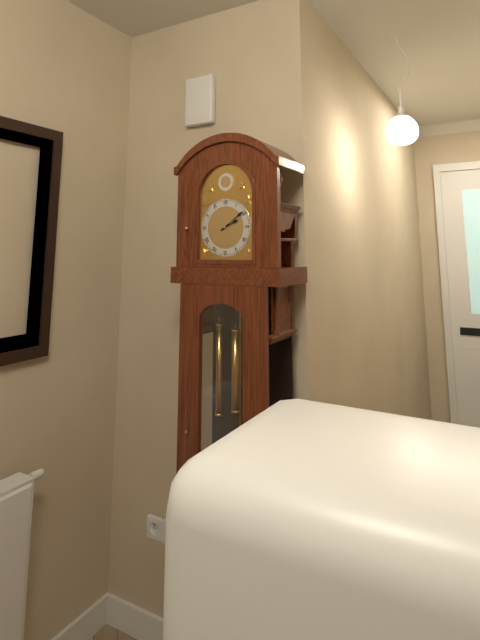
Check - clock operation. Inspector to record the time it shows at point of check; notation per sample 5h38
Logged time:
2h09
